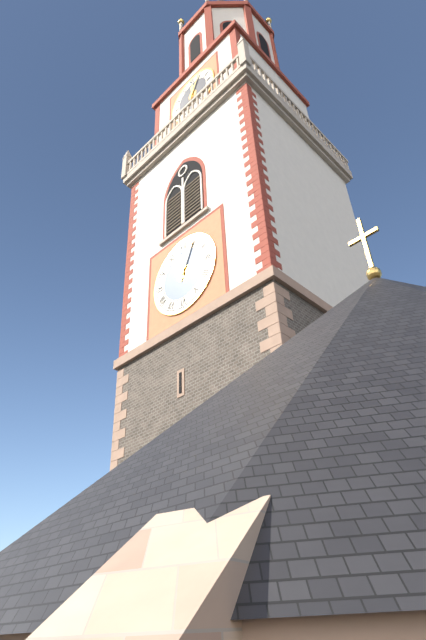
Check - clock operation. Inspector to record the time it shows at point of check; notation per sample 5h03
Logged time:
12h04
